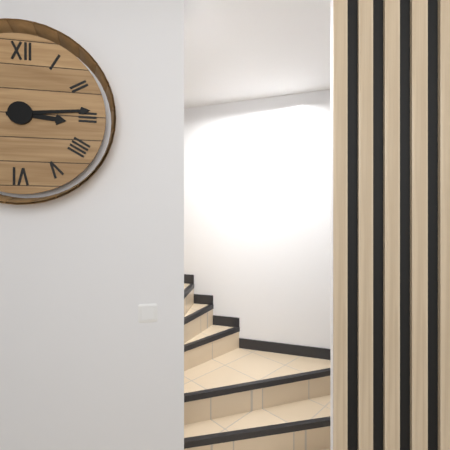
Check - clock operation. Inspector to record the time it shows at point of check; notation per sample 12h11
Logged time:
3h14
